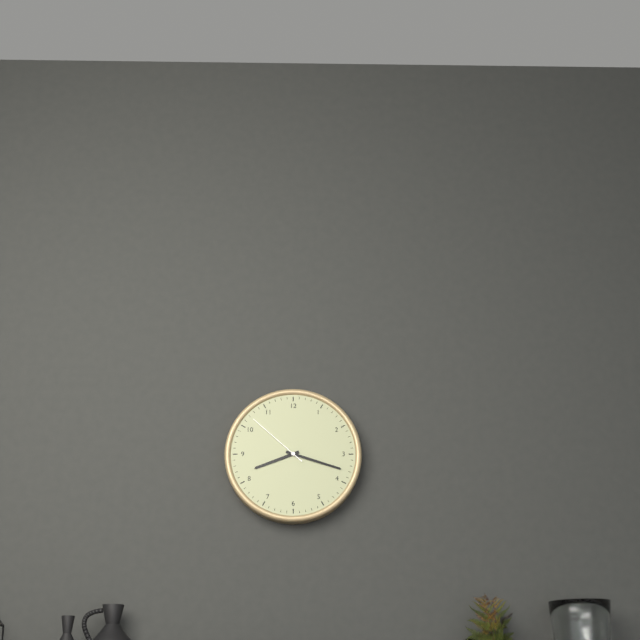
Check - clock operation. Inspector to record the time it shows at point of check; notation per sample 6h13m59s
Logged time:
8h18m52s
